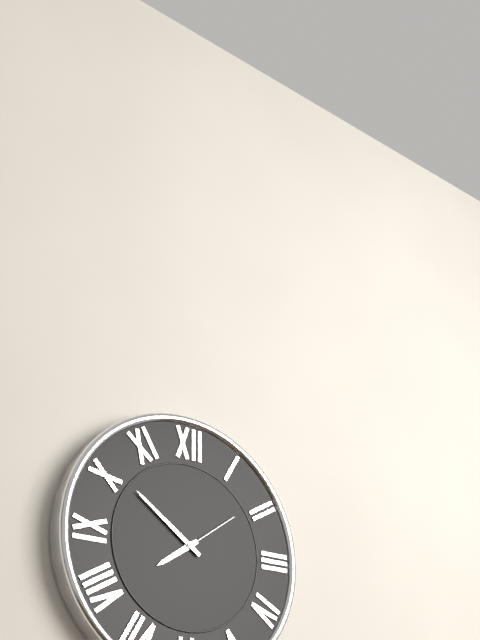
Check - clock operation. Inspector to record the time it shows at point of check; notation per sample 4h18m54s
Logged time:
7h51m09s
